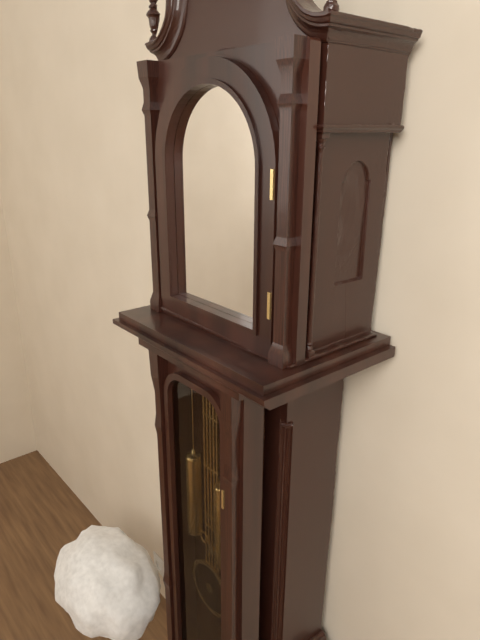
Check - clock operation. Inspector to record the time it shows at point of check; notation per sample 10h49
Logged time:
1h57
